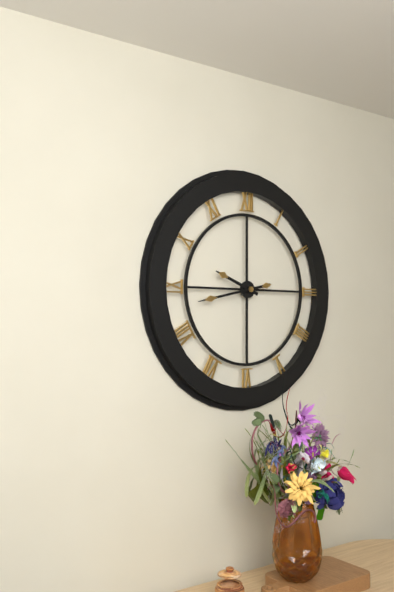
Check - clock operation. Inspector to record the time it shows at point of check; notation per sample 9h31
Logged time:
9h43
